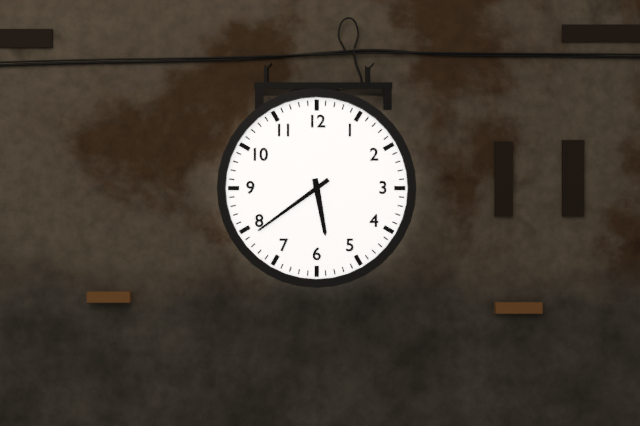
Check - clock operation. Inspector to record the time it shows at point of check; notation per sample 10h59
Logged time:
5h39
